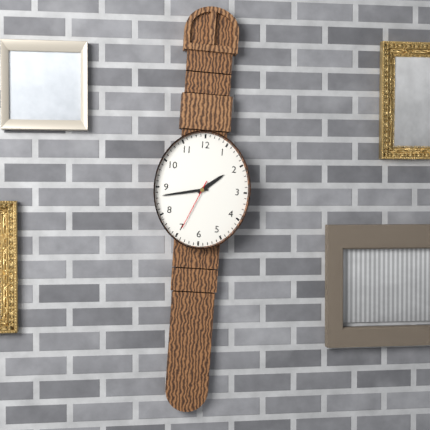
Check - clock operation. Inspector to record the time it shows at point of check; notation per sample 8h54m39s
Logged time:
1h43m34s
